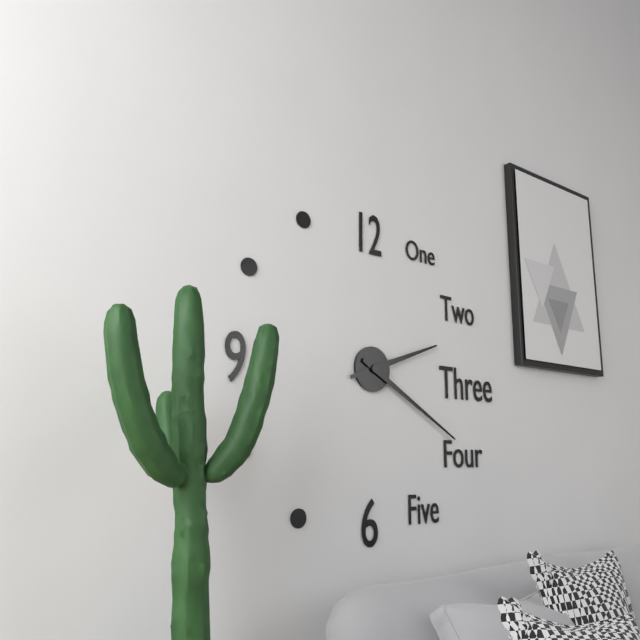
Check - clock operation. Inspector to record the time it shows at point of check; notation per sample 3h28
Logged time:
2h20
